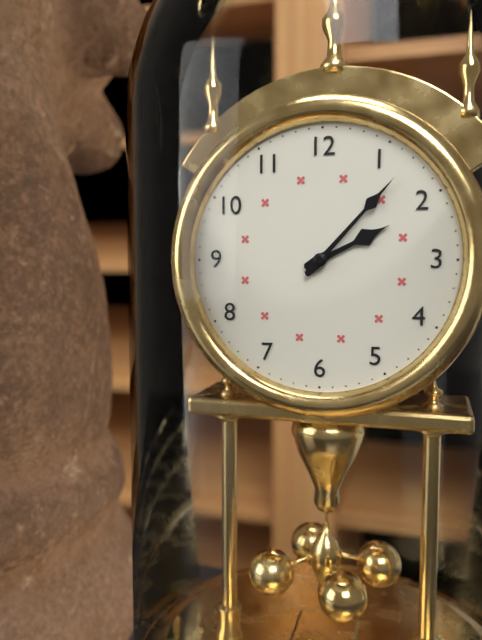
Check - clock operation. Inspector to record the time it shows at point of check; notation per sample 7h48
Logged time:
2h07
